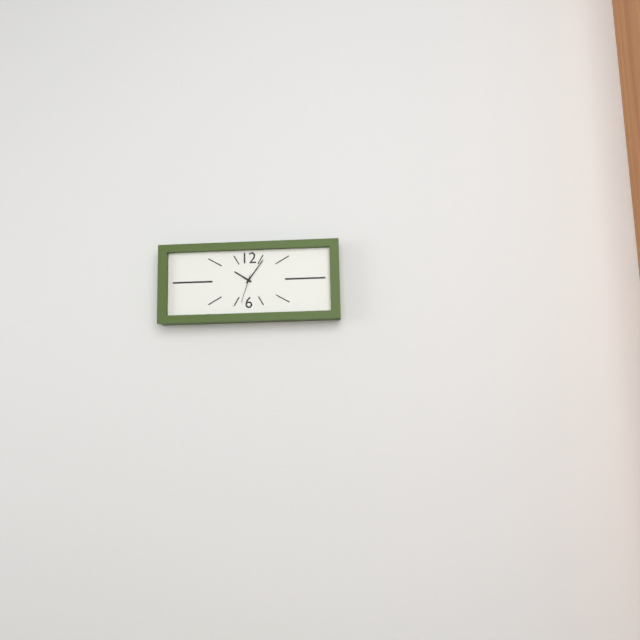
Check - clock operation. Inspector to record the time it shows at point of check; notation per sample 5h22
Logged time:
10h06
